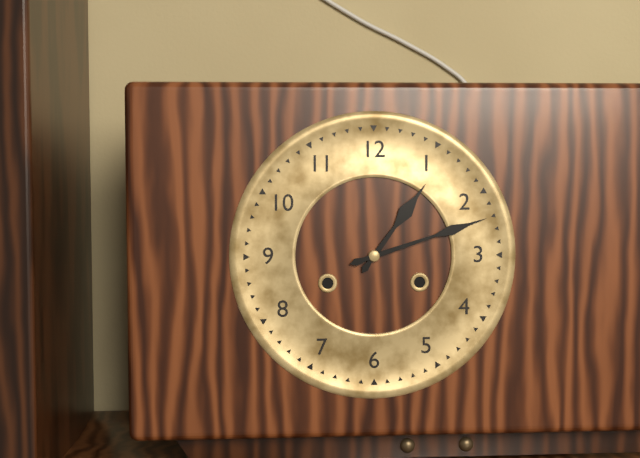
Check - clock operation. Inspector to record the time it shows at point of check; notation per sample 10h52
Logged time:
1h12
